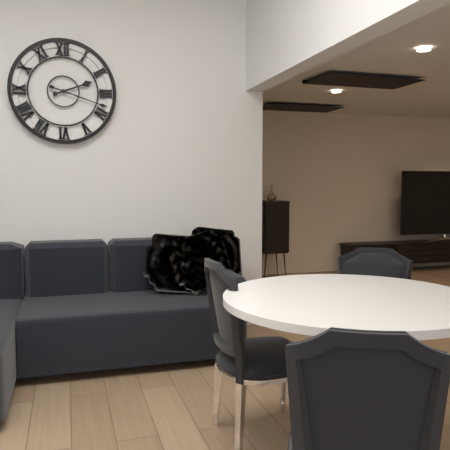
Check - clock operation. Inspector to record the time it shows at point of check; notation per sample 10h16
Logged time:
2h18
